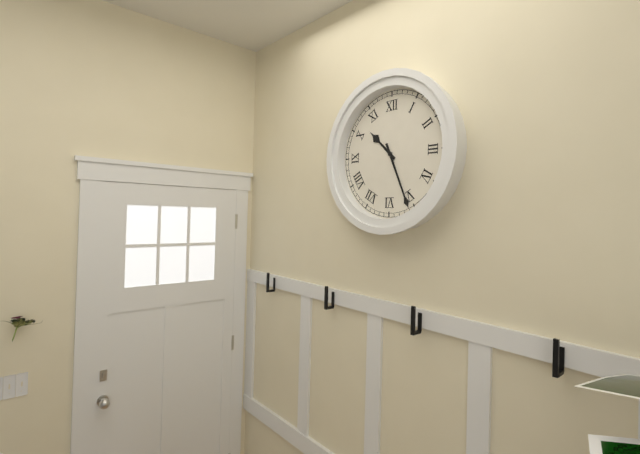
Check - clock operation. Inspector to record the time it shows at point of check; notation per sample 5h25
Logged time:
10h26
